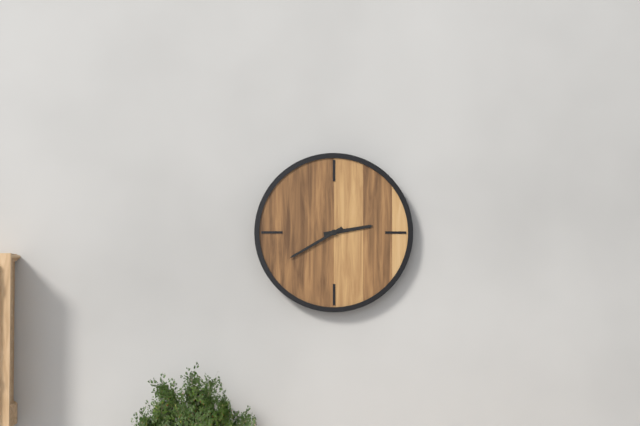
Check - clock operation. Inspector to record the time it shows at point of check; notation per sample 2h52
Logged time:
2h40
